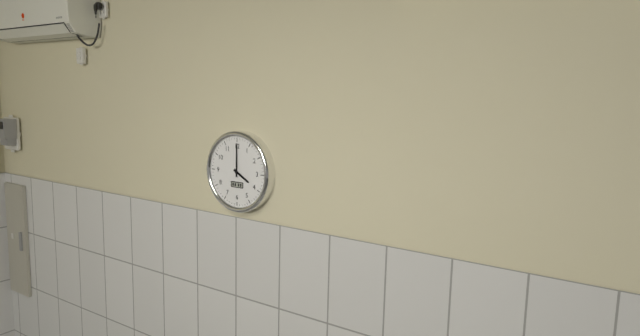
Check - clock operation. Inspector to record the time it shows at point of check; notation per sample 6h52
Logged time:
4h00
